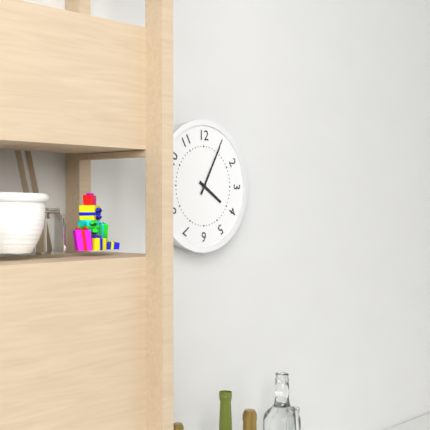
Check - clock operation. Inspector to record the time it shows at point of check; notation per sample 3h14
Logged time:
4h05
